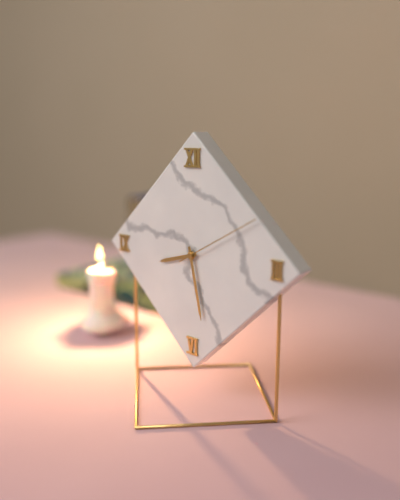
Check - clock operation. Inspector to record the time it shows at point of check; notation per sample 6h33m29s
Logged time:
8h28m10s
